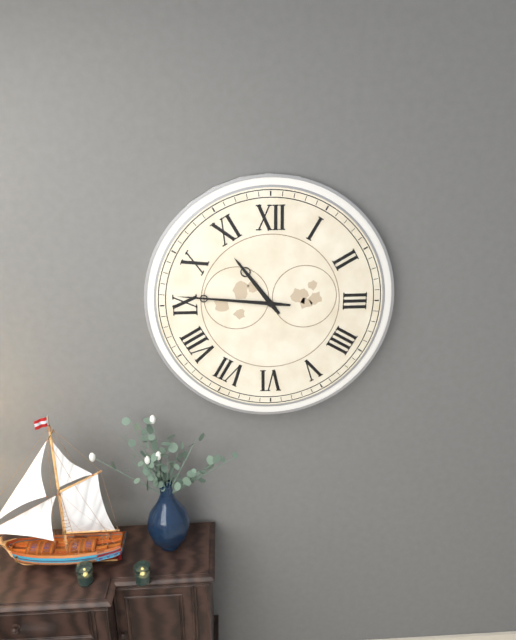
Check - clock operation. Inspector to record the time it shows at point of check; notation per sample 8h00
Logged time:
10h46
